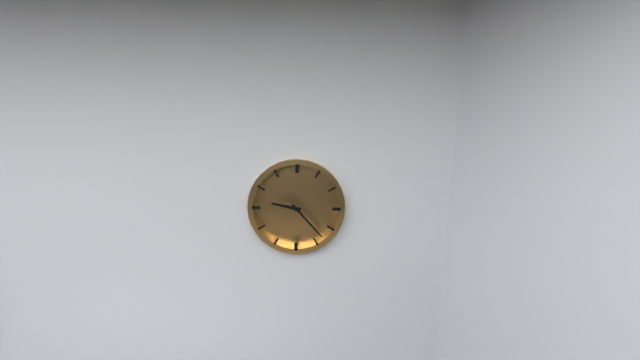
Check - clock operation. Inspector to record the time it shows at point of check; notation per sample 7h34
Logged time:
9h23
